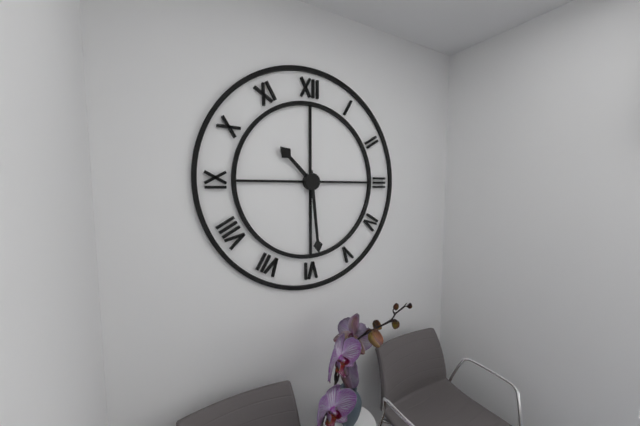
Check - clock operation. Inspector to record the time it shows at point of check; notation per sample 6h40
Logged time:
10h29
